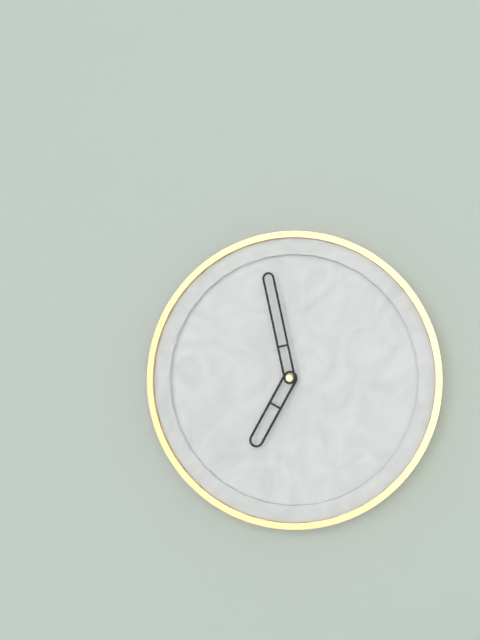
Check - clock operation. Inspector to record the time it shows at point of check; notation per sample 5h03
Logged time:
6h58
